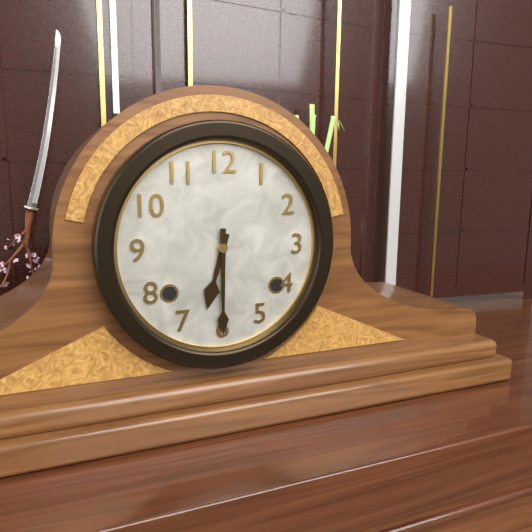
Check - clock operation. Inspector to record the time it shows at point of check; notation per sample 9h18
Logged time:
6h30
